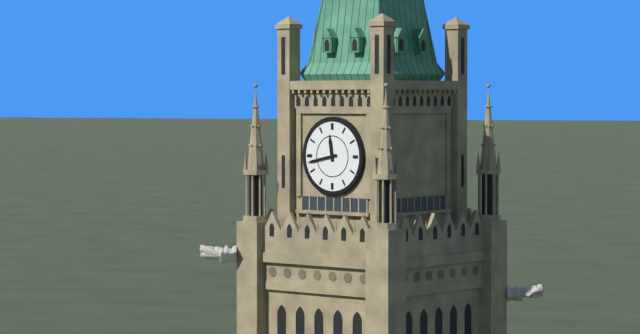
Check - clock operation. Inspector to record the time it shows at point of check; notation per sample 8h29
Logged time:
11h43
